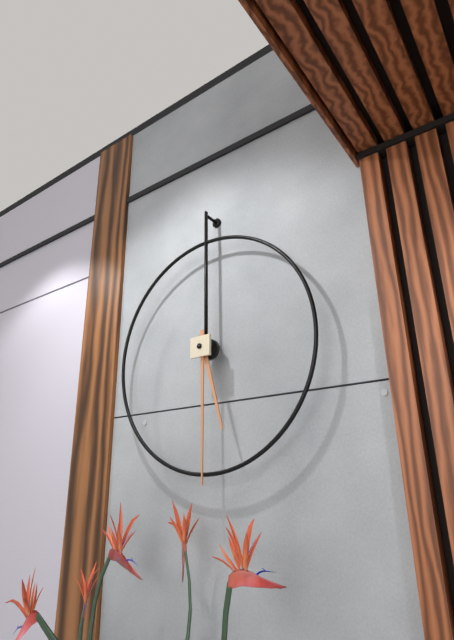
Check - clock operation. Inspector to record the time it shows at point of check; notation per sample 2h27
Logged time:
5h30
